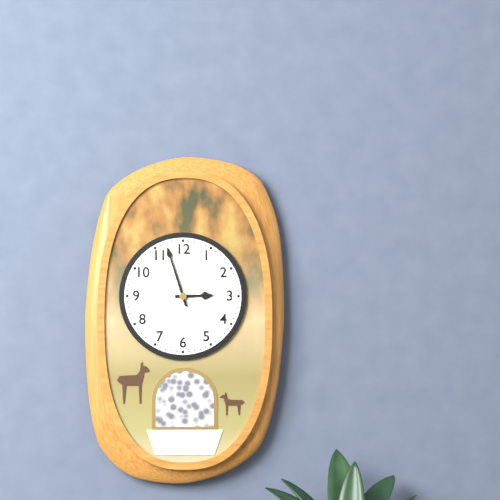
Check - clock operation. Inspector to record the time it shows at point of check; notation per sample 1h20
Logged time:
2h57
